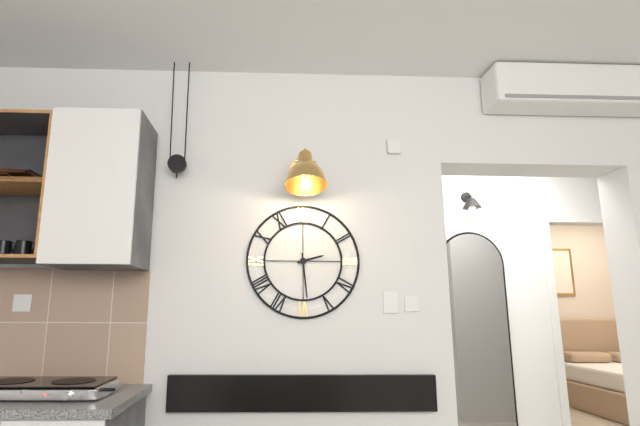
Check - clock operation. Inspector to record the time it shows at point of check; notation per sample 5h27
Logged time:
2h29
